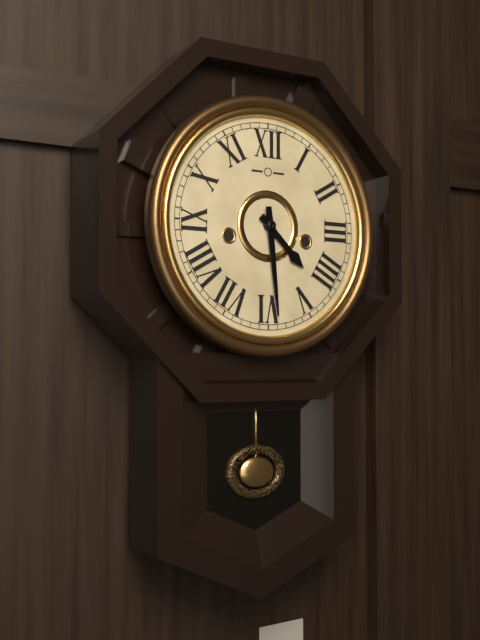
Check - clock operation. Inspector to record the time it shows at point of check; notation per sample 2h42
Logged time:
4h29
